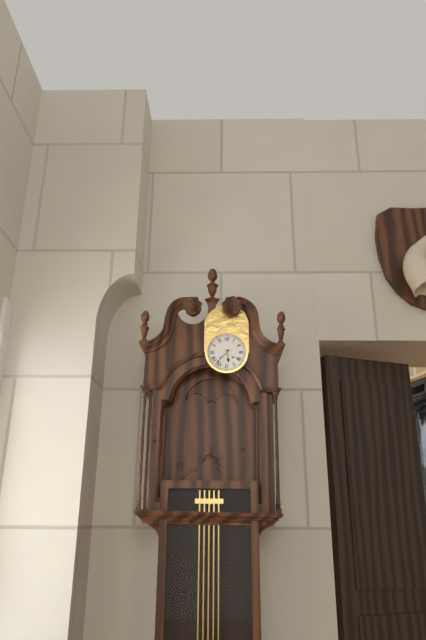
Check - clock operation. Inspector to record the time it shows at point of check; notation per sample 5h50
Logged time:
5h37
